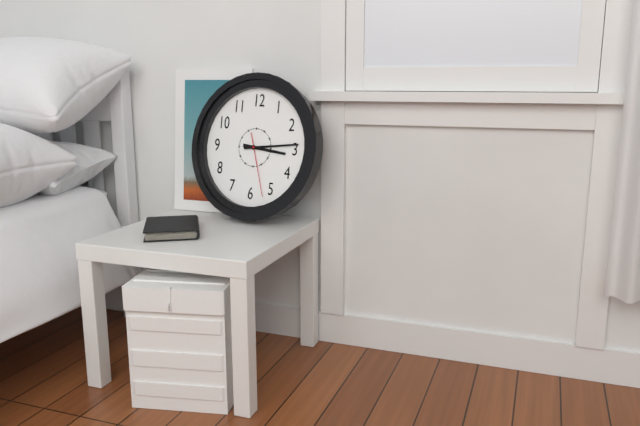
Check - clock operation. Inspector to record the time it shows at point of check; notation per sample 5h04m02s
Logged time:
3h14m27s
